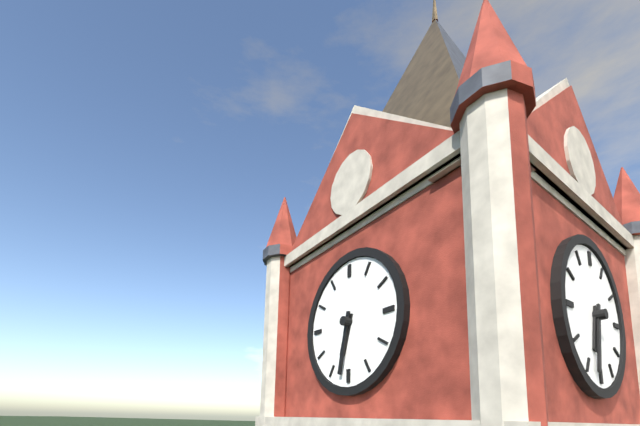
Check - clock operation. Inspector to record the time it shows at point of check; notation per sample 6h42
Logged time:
6h32
